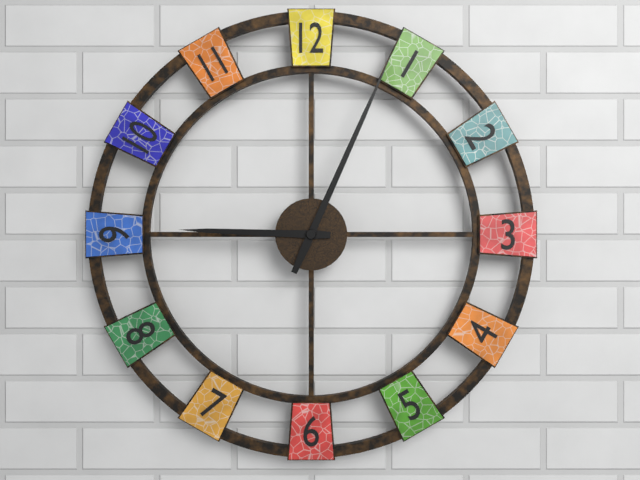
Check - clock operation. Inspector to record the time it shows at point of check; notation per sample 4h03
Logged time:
9h04
